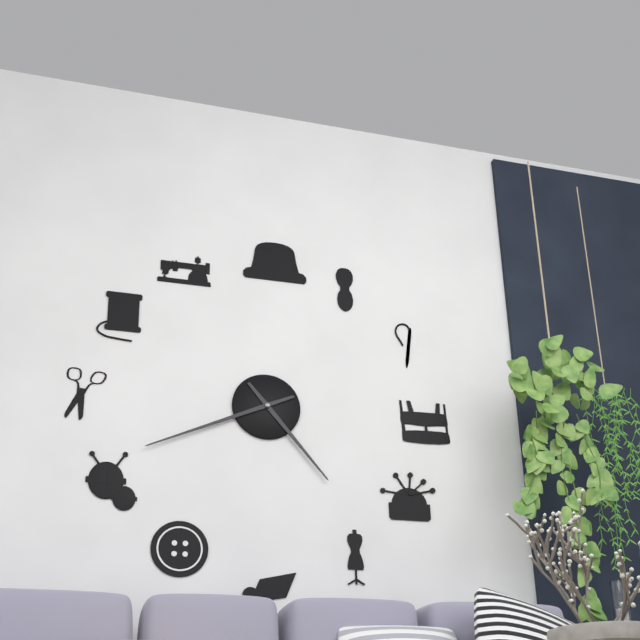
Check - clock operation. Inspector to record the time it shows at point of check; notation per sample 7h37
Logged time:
4h41
